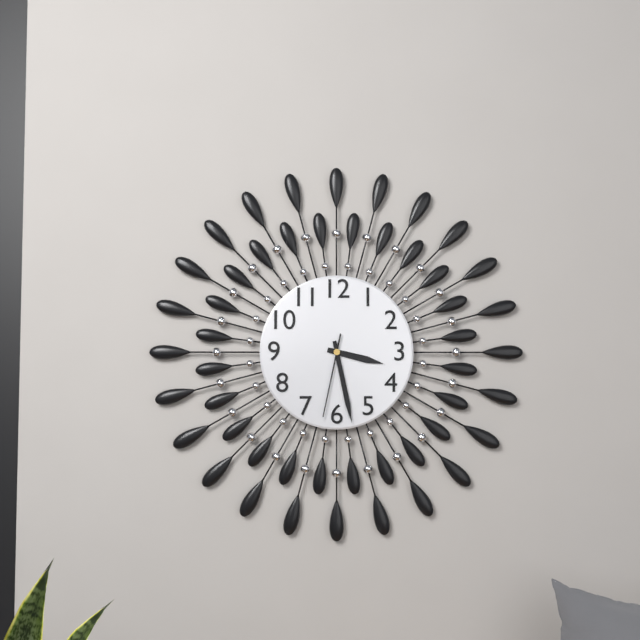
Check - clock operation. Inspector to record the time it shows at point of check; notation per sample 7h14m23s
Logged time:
3h28m32s
